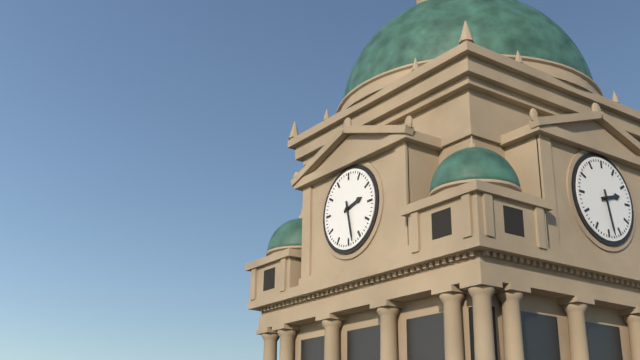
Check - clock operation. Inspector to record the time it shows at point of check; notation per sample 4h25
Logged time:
2h28
